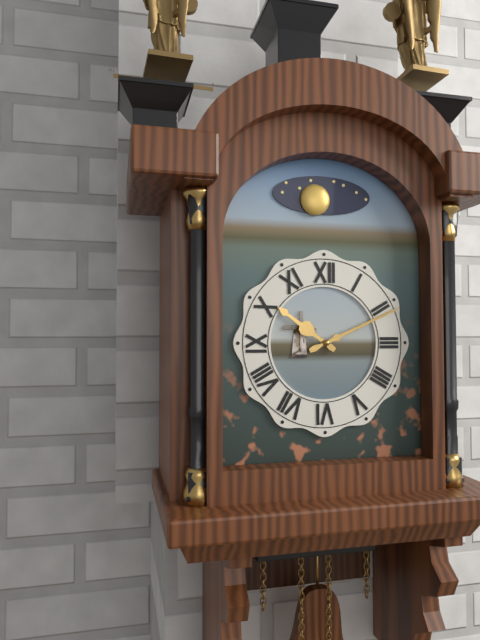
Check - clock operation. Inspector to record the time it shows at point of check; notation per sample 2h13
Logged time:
10h11
